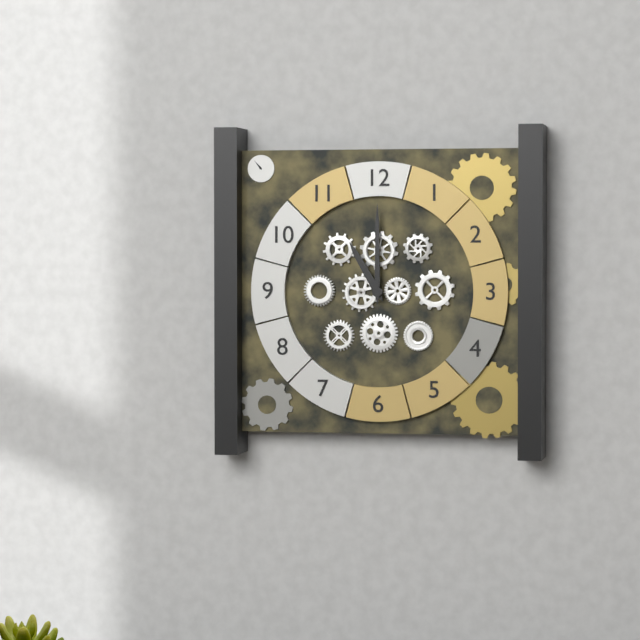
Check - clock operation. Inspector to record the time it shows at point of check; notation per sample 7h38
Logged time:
11h00
